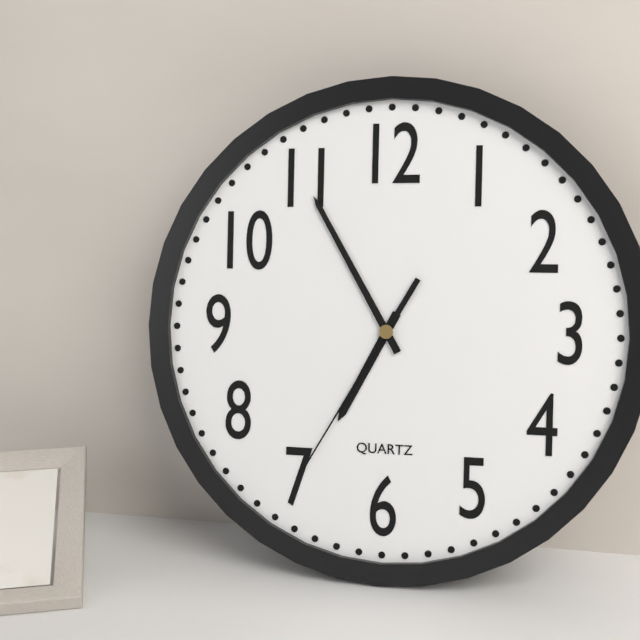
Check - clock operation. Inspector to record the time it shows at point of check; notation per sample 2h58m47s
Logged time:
6h55m35s
